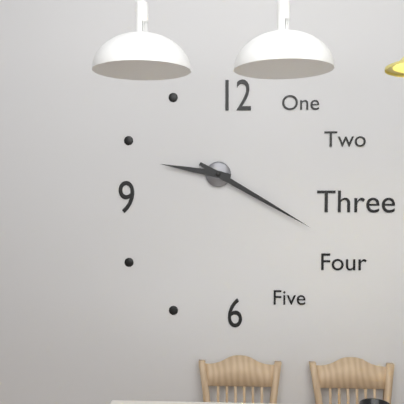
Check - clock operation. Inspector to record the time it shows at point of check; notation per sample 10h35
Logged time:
9h20
